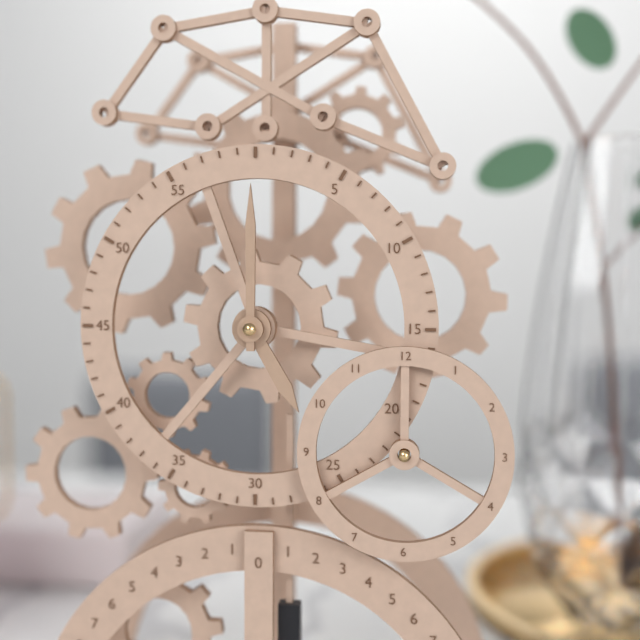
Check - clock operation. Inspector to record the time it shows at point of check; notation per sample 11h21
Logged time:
5h00
